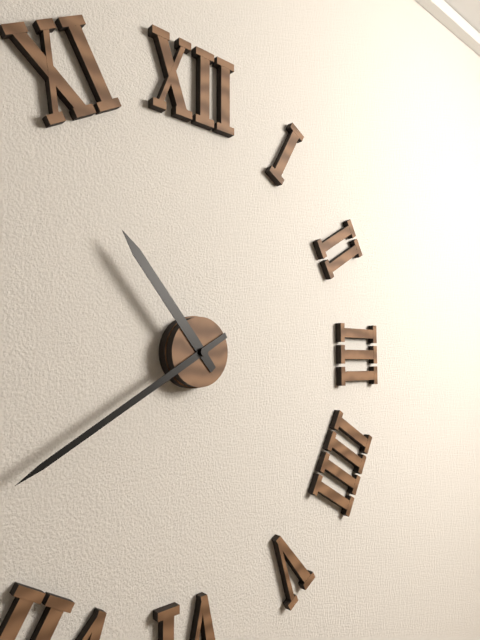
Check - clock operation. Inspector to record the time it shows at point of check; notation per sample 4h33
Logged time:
10h40
